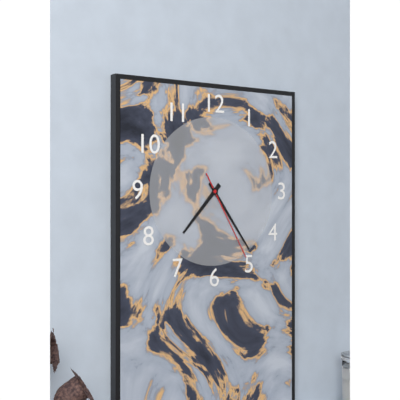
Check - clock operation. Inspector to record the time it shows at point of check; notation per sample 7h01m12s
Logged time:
7h24m25s
